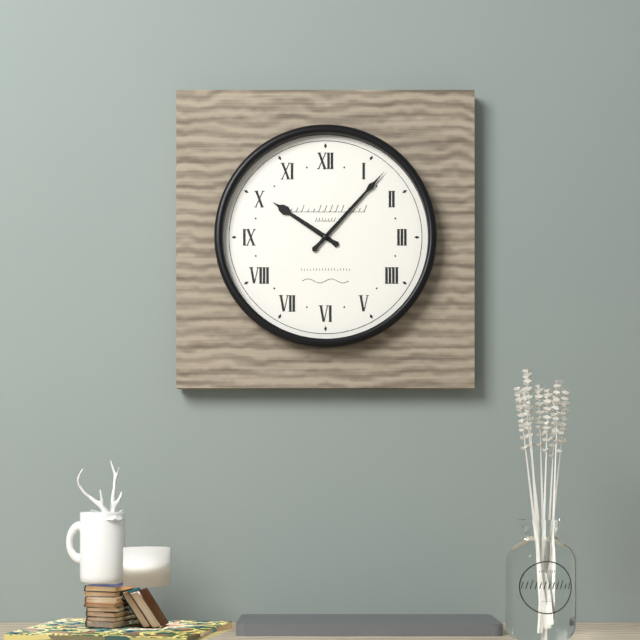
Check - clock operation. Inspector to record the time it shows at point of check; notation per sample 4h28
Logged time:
10h07
